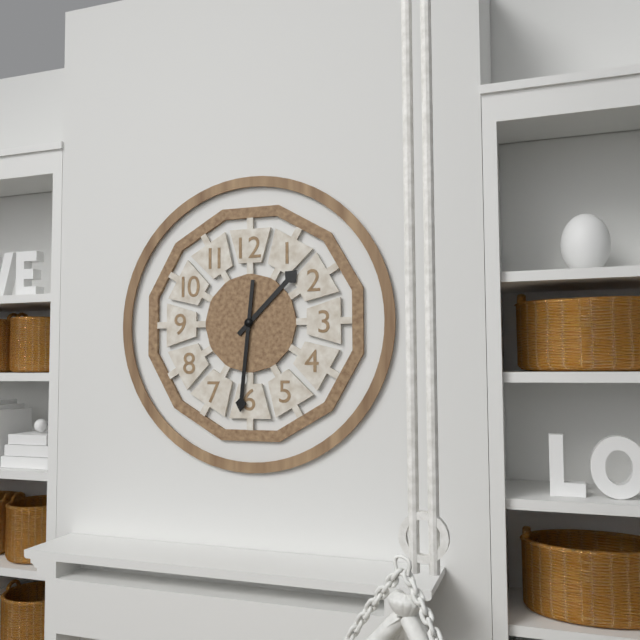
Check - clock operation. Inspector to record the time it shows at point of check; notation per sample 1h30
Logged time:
1h31
